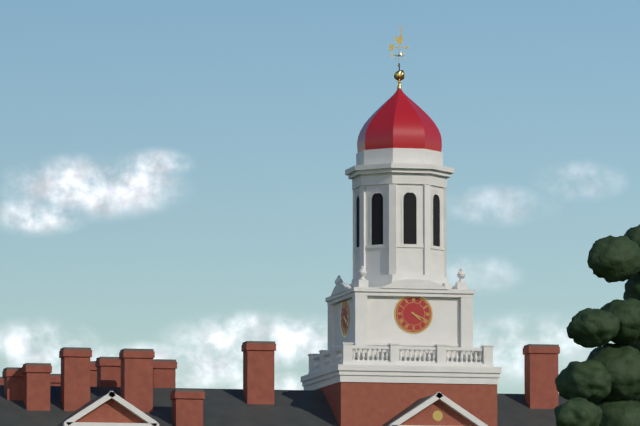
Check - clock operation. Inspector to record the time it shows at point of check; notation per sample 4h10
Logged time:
4h19
